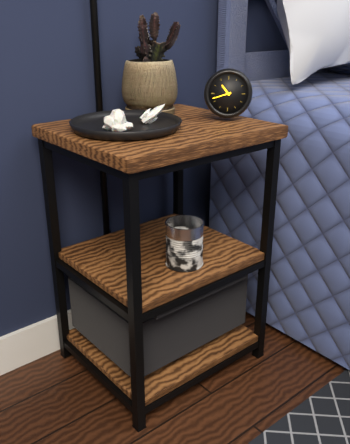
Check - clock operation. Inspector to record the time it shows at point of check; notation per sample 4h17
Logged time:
10h42
